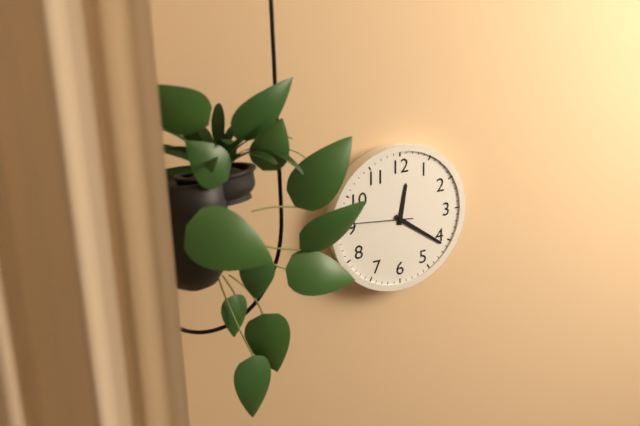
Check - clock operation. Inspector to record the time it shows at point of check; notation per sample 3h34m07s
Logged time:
12h21m46s
